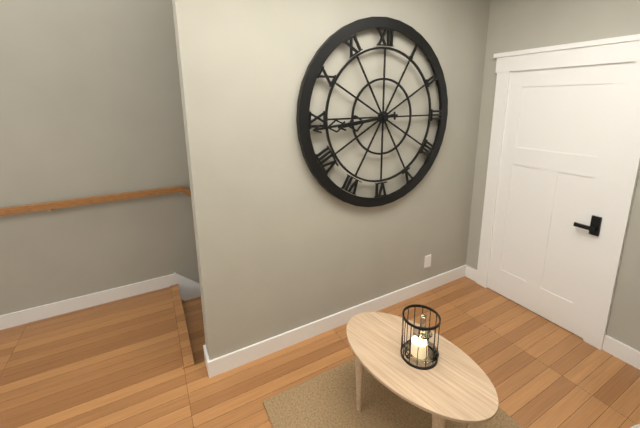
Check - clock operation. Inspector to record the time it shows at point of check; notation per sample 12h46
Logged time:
8h44
